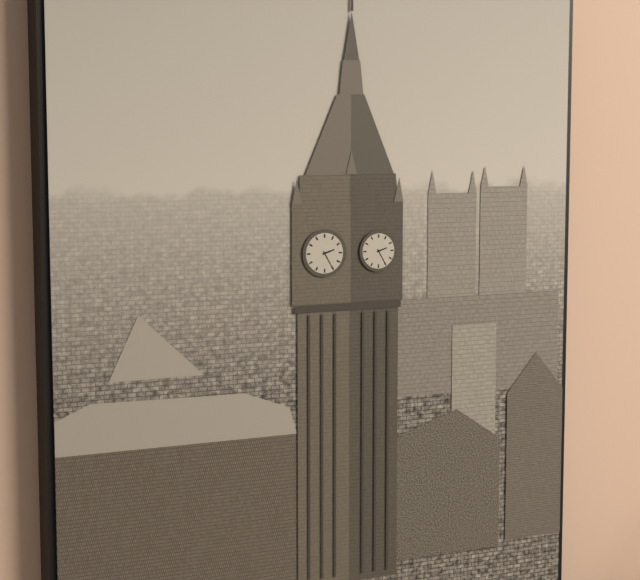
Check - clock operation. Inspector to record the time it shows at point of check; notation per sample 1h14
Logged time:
2h25
